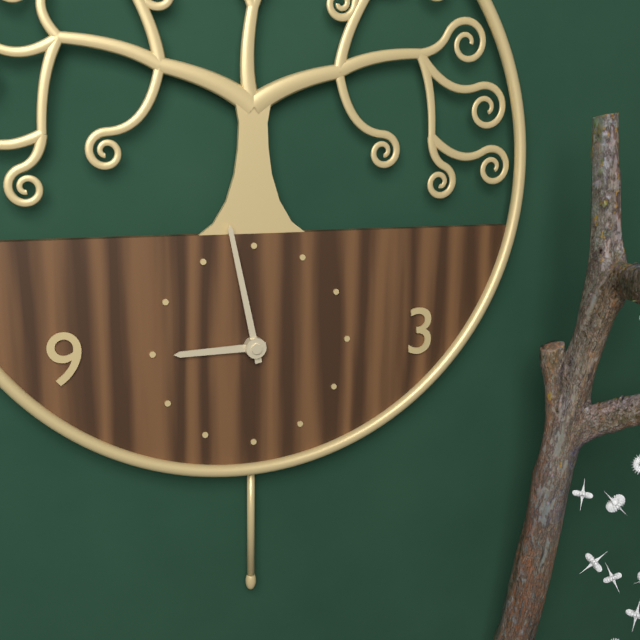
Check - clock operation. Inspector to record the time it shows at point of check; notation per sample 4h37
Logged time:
8h58
